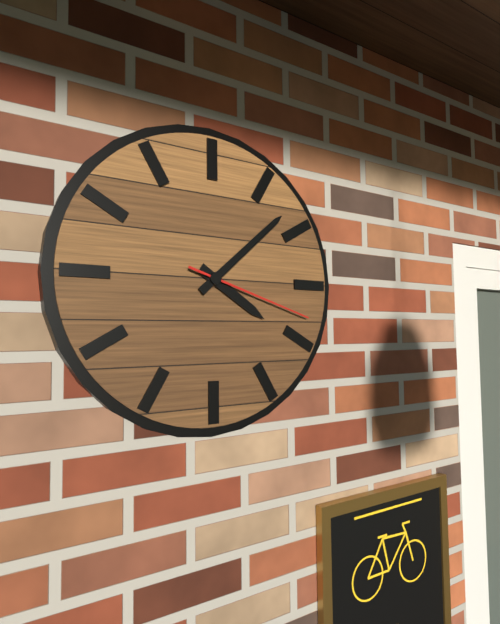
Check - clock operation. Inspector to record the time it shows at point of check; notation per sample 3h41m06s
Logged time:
4h08m18s
